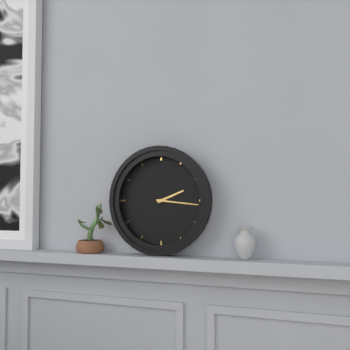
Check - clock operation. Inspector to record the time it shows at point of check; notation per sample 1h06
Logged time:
2h16
